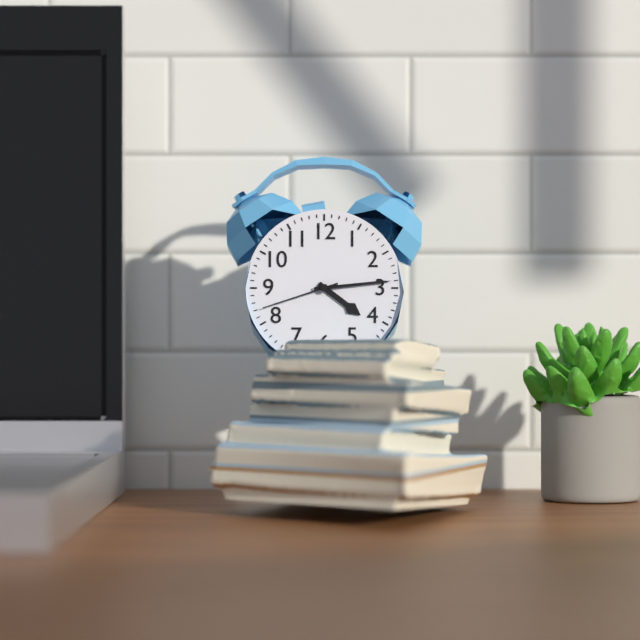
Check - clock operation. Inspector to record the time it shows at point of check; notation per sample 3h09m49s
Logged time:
4h14m42s
